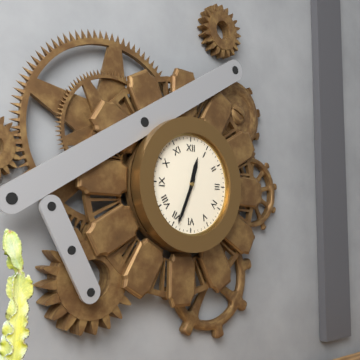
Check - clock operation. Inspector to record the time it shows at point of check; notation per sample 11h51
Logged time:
12h34
